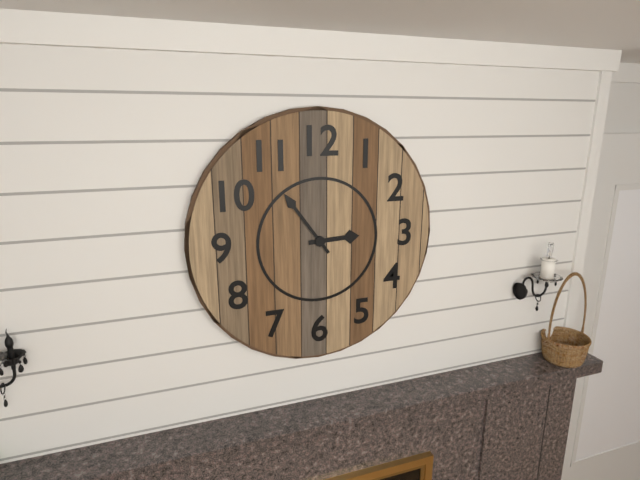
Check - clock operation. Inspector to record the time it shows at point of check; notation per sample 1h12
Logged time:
2h54
